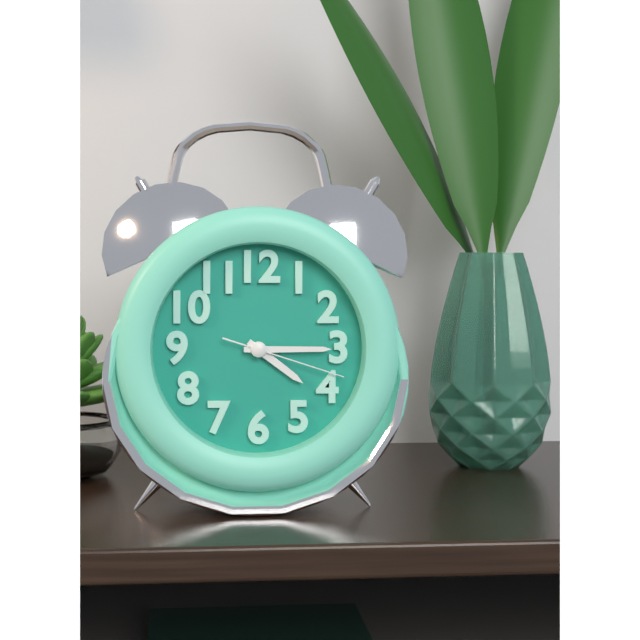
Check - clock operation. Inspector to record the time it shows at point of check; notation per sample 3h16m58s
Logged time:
4h15m18s
